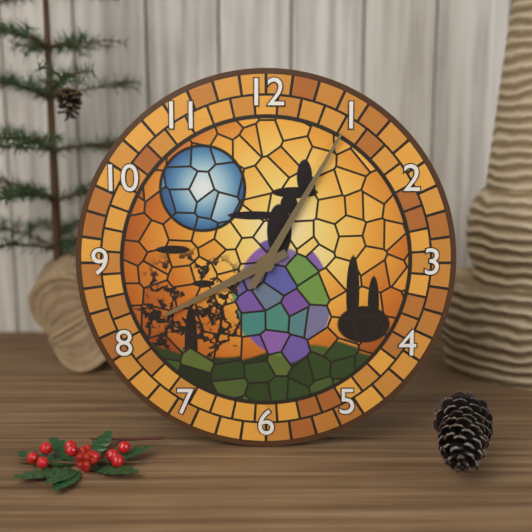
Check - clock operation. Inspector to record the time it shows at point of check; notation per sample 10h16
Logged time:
8h05
